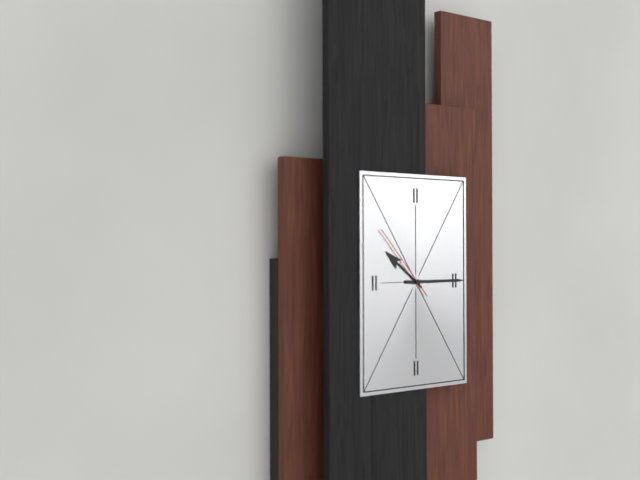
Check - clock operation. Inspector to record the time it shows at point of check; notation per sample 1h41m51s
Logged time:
10h15m53s
